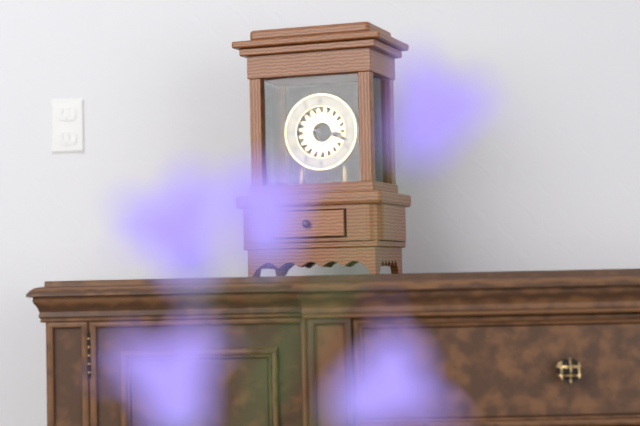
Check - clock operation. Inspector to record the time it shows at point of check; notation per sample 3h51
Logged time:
3h18
